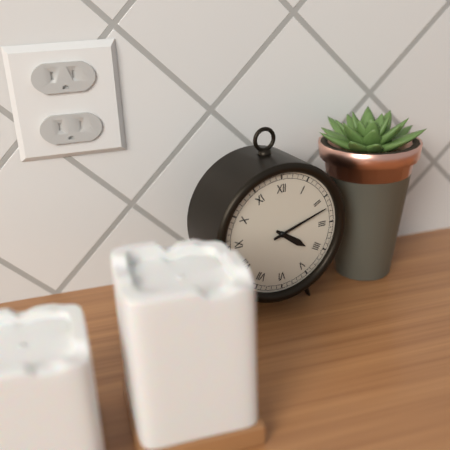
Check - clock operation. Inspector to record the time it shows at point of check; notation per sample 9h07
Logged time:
4h12
